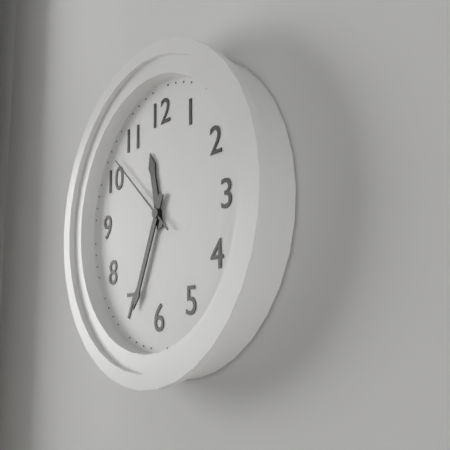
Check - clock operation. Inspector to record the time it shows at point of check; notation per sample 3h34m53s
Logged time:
11h34m52s
